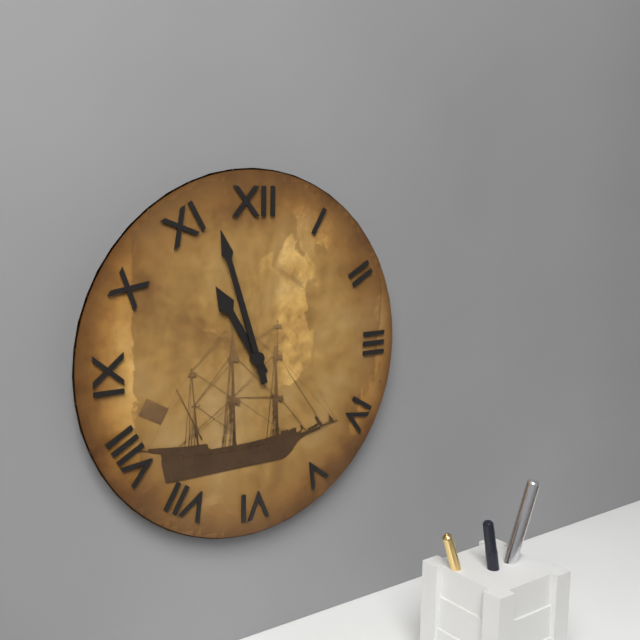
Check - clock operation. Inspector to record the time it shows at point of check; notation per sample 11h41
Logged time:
10h57
